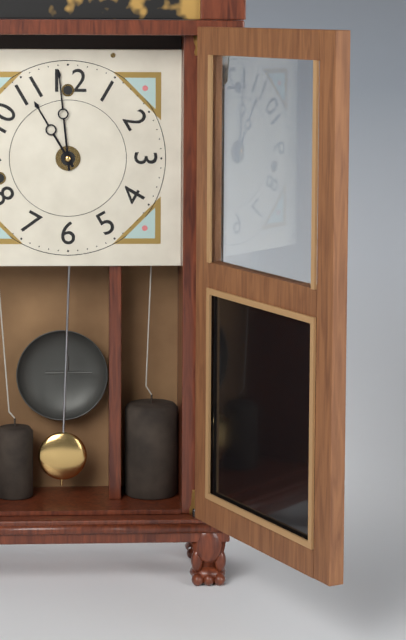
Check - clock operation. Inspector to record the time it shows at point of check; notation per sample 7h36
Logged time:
10h59
